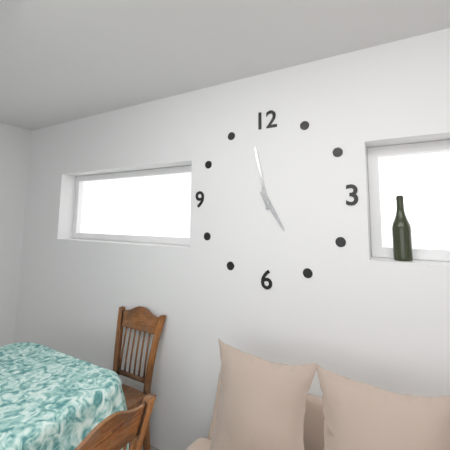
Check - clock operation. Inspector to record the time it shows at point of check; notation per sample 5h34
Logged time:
4h58
